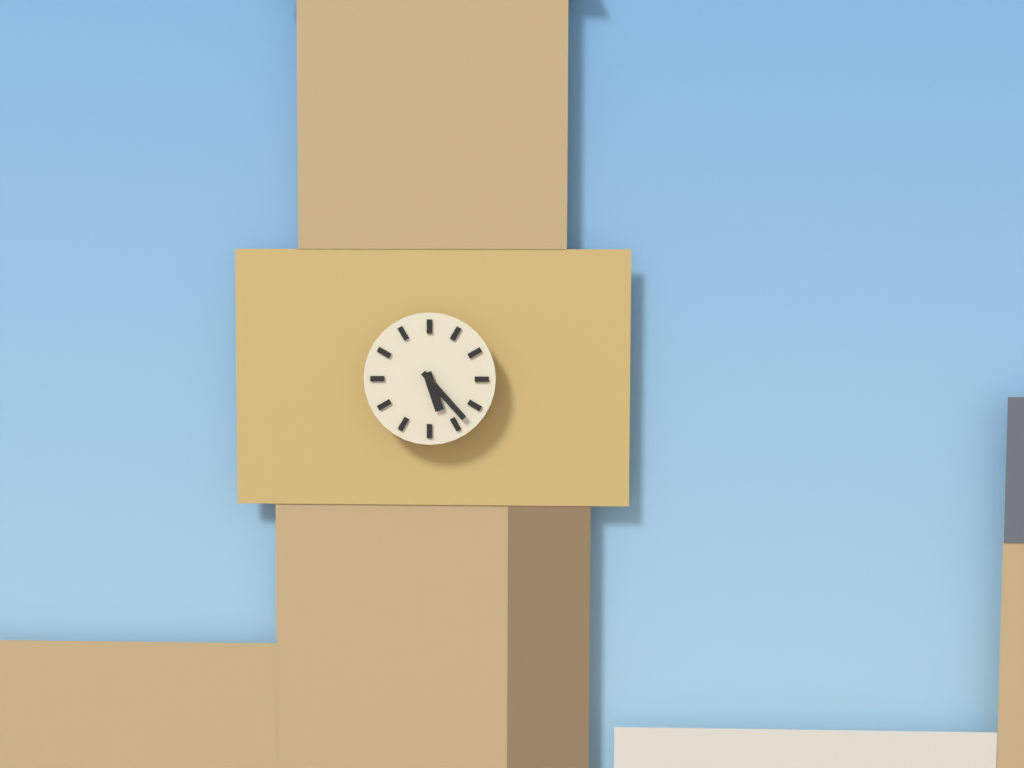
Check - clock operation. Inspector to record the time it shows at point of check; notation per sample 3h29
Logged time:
5h23
